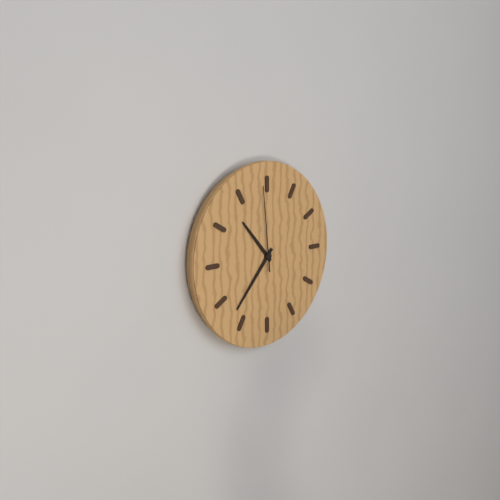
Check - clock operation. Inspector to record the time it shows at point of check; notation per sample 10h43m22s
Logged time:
10h37m59s
